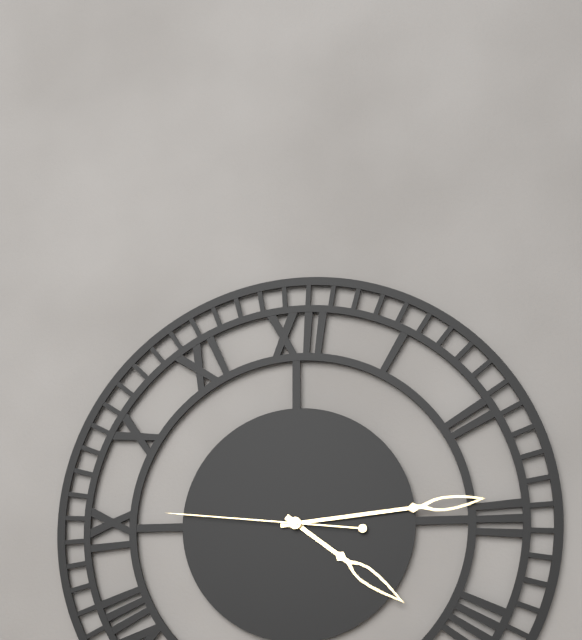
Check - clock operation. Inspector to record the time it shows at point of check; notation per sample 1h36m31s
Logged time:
4h14m46s
